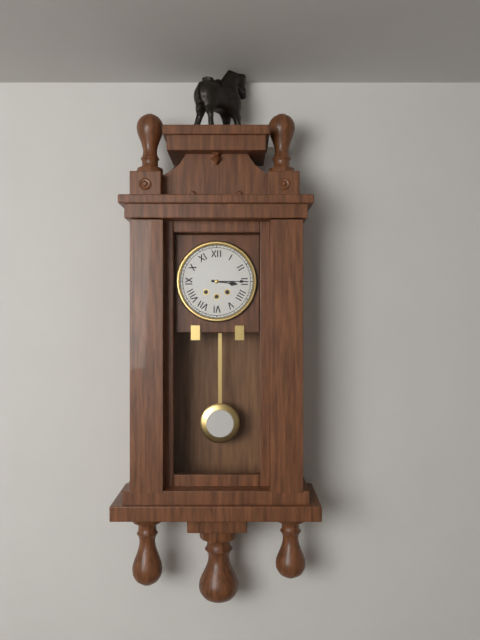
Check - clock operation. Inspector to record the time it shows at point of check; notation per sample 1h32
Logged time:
3h15
